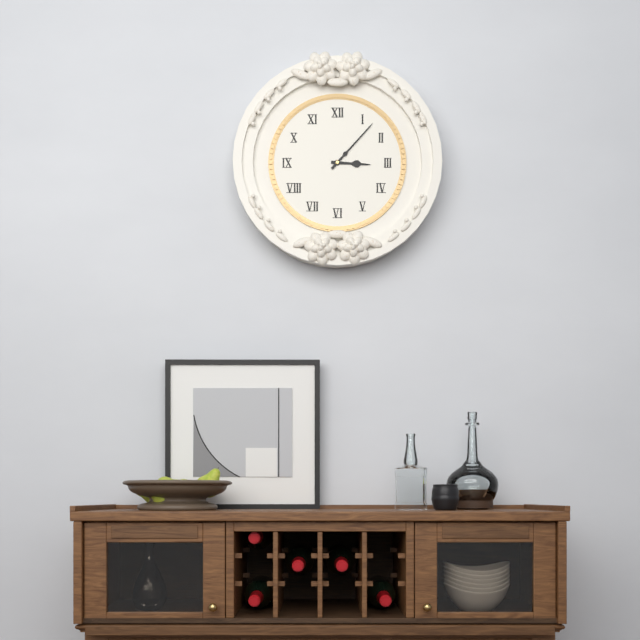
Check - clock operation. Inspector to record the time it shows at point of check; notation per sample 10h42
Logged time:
3h07
